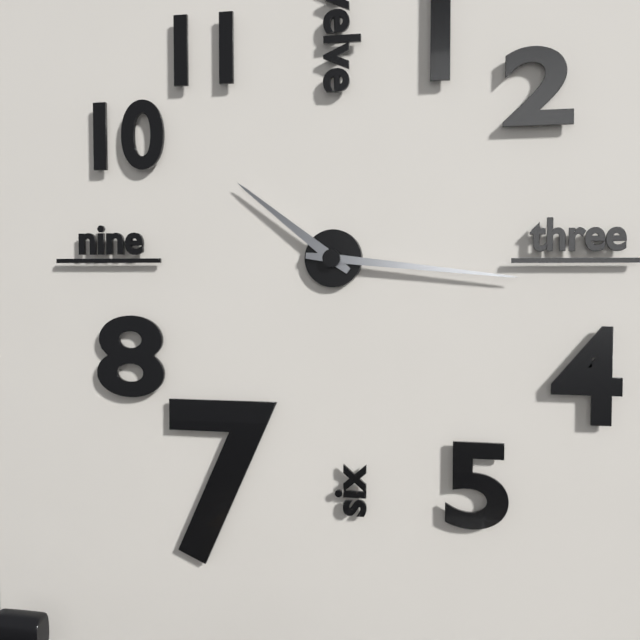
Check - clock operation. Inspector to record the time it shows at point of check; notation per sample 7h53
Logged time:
10h16
